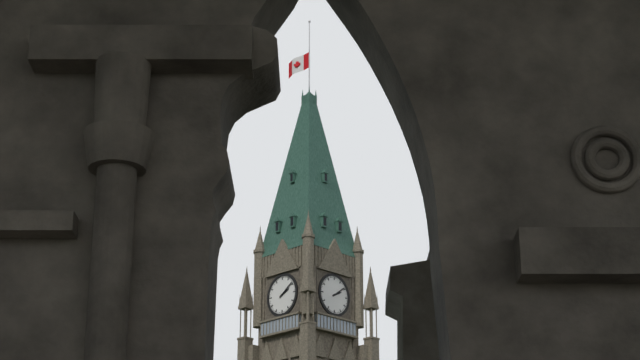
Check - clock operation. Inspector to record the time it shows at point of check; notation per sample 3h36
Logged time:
2h09
